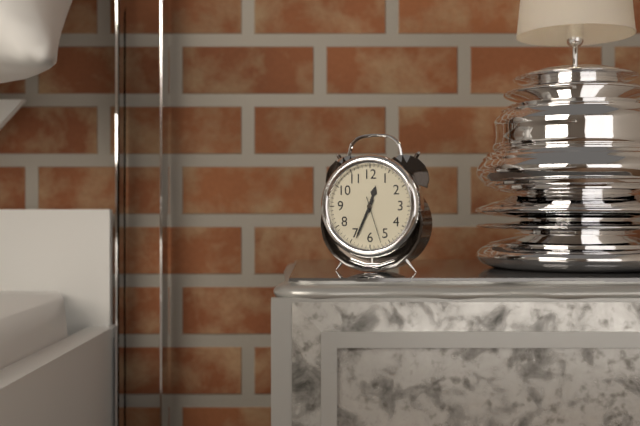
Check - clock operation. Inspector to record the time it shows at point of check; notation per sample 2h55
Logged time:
12h34
